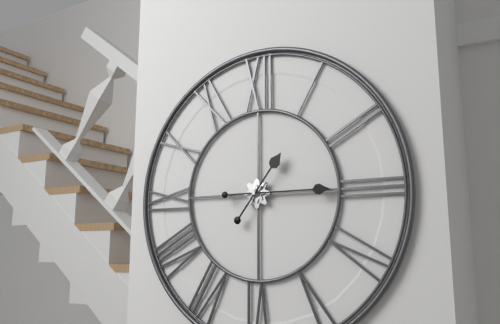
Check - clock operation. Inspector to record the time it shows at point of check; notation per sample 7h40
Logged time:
1h15
